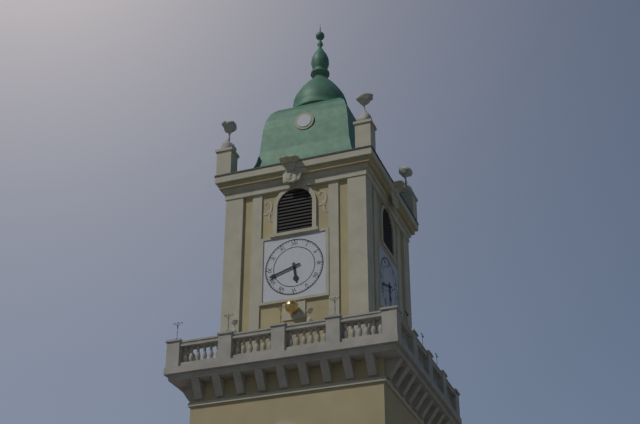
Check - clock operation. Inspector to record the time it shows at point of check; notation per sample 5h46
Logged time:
5h42
